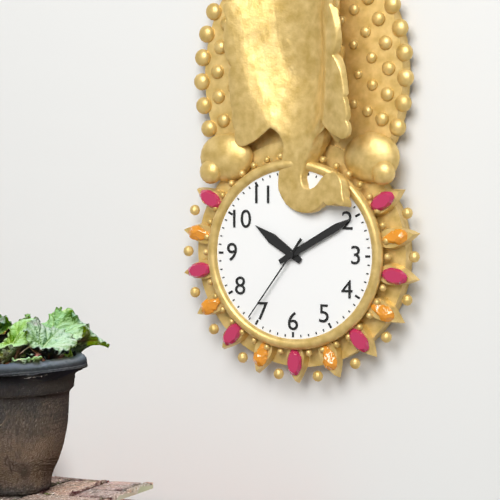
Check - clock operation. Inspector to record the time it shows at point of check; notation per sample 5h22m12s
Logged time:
10h10m36s
